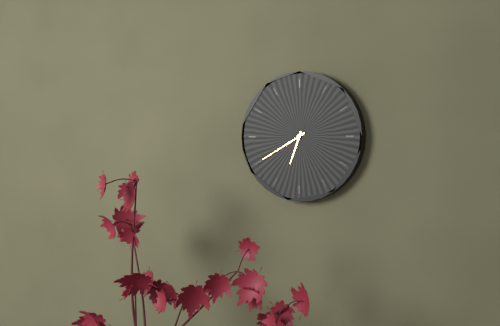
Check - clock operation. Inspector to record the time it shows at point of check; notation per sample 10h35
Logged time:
6h40
